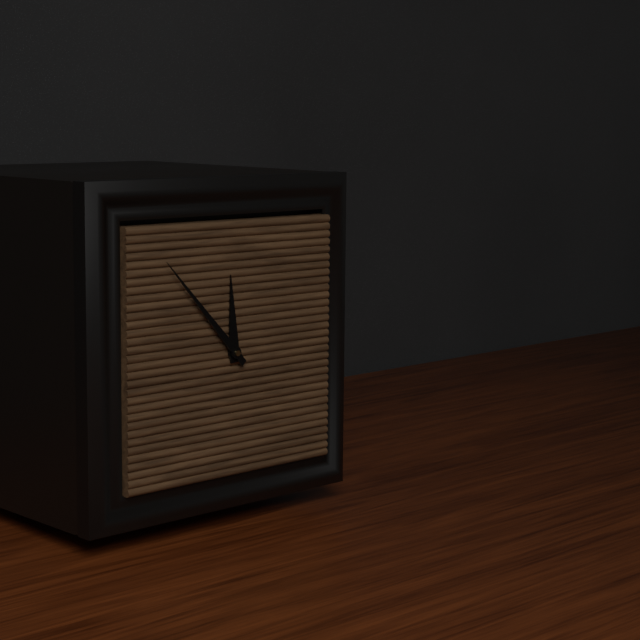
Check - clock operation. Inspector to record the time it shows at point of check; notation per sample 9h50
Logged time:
11h53
